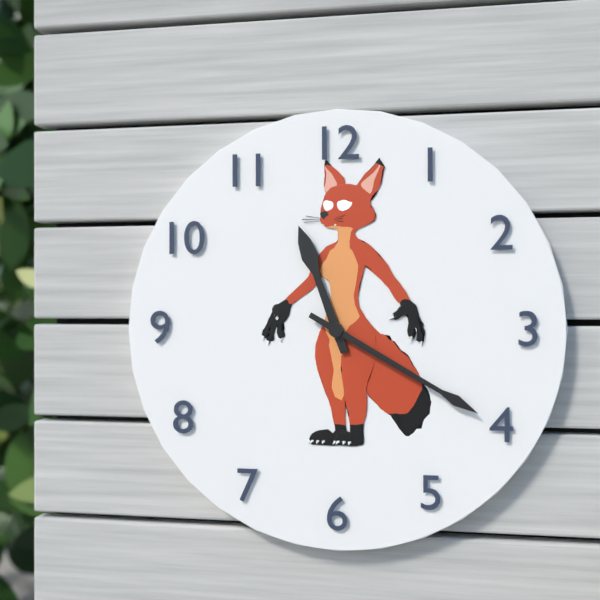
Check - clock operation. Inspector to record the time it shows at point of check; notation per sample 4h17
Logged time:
11h20
